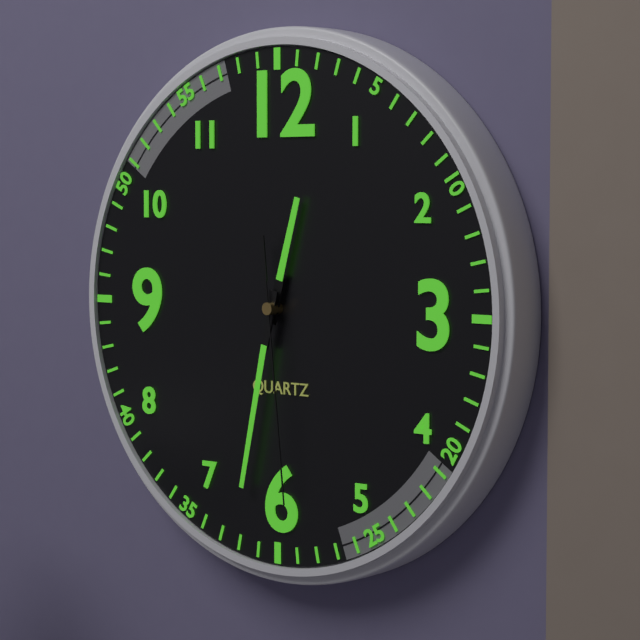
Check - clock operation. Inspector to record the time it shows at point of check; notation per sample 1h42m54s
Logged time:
12h32m29s
